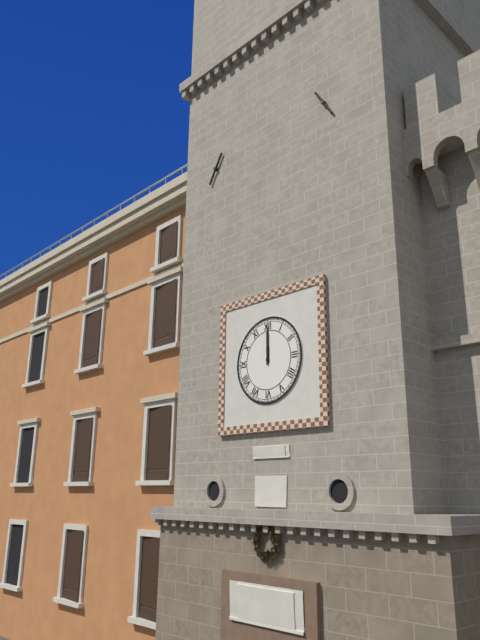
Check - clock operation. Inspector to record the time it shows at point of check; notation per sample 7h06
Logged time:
12h00
